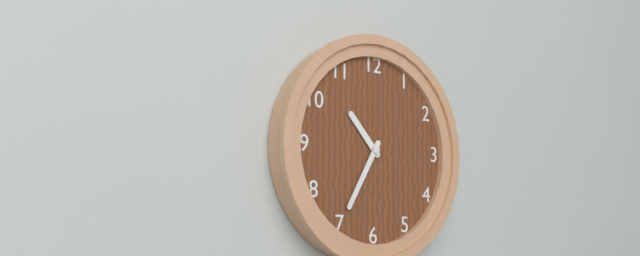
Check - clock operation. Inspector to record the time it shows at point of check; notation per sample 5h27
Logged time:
10h35
